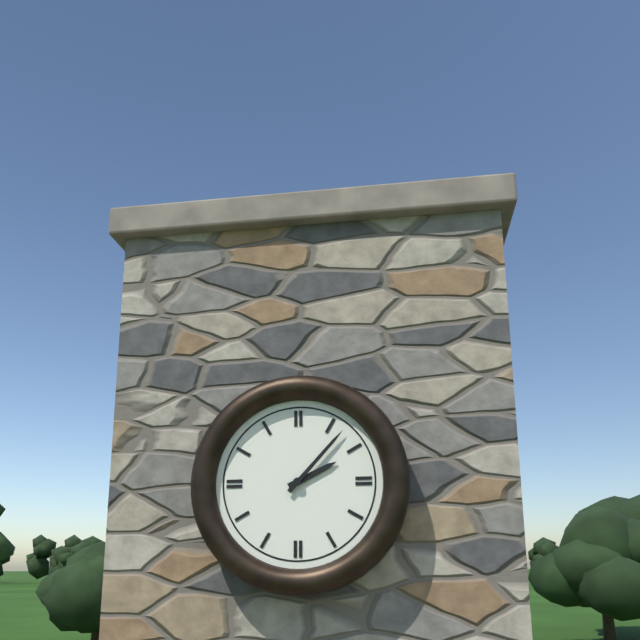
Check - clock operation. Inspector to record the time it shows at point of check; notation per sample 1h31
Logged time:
2h07
